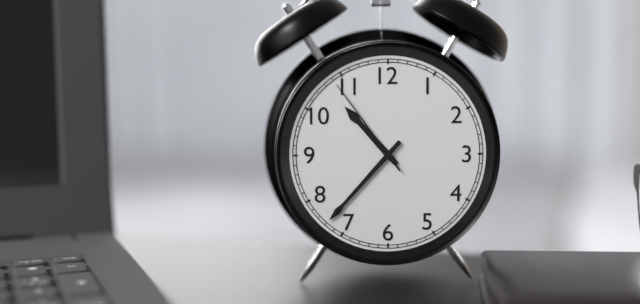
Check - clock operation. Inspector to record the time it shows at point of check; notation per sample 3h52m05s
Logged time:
10h37m54s
